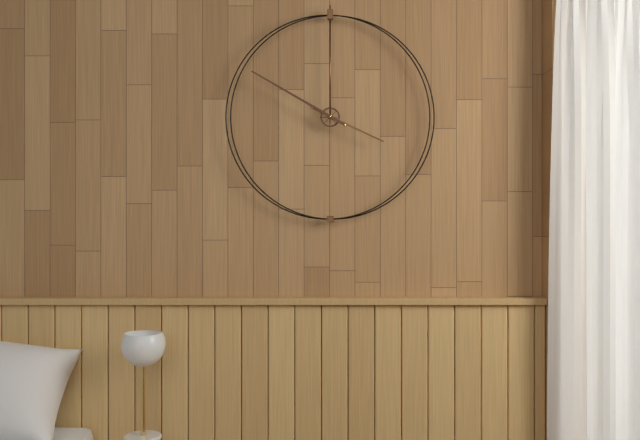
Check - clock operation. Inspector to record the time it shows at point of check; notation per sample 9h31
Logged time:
3h50
